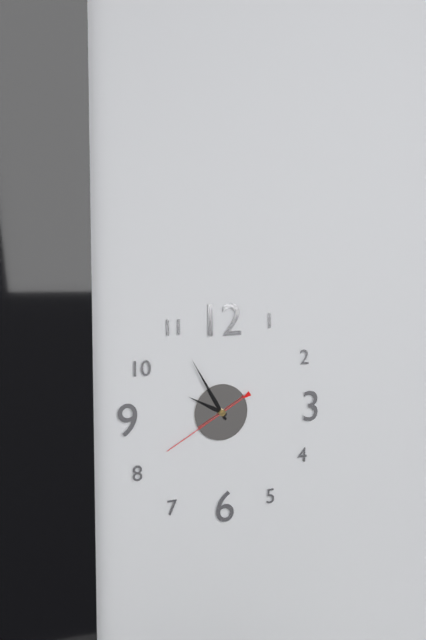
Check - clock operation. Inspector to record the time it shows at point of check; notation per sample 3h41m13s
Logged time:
9h55m40s
